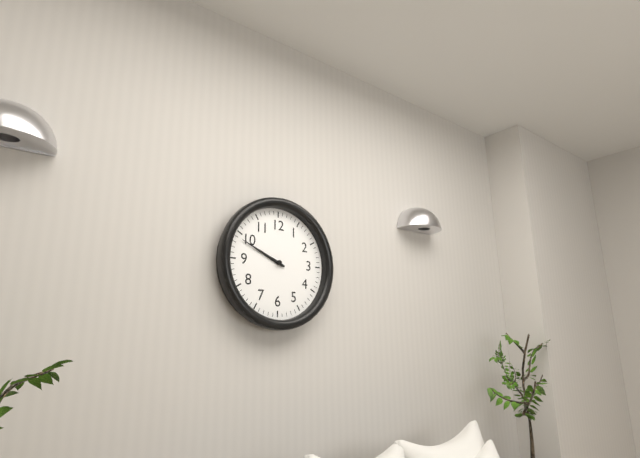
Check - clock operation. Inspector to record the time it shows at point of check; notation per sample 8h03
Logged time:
9h49
